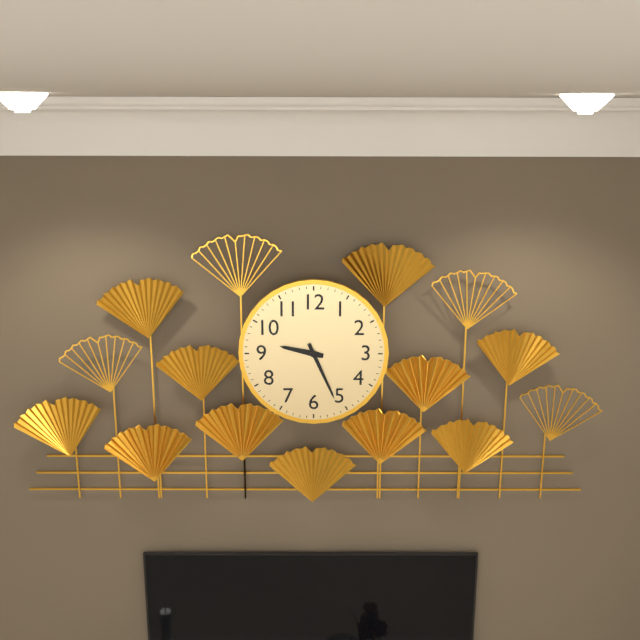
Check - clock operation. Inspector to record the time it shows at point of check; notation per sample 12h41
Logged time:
9h26
